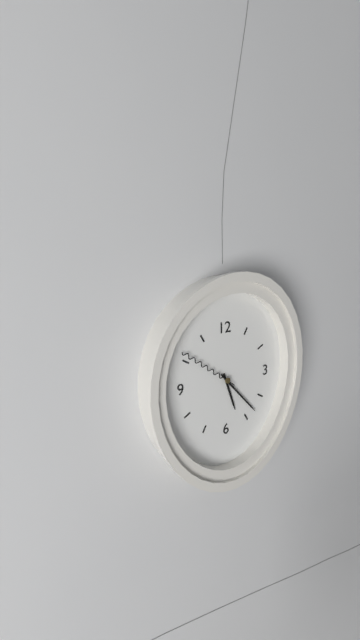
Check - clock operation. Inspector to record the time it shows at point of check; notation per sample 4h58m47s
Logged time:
5h23m51s
